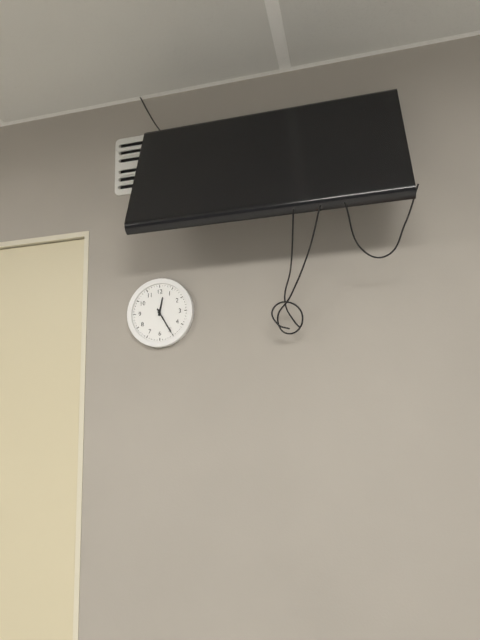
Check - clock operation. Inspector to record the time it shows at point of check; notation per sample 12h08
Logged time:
12h25
